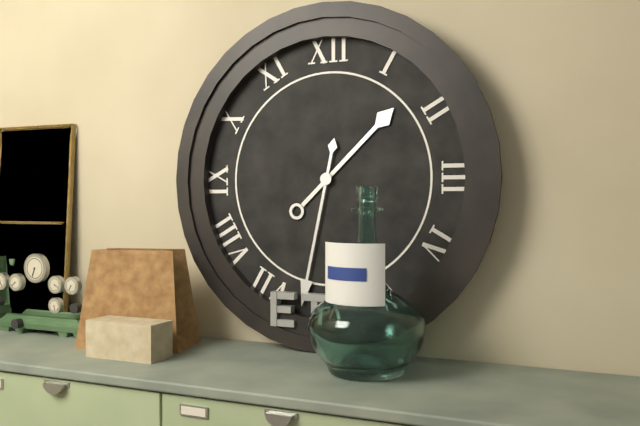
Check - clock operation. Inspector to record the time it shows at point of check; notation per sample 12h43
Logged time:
1h32
